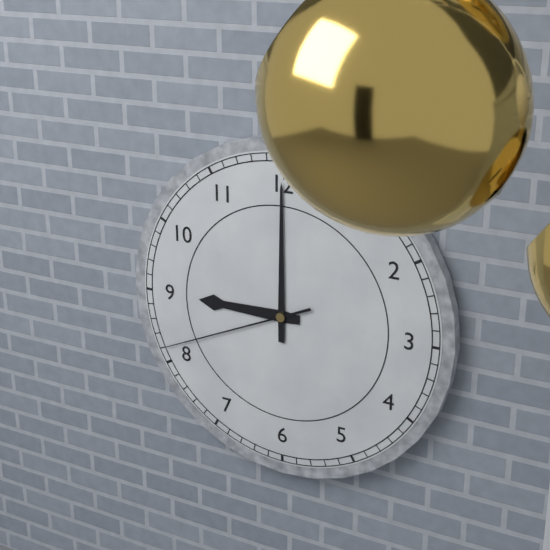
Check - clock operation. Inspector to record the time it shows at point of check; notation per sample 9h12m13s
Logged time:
9h00m41s
